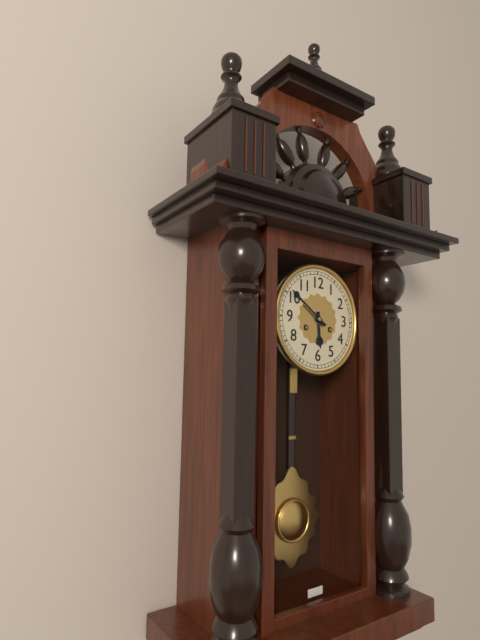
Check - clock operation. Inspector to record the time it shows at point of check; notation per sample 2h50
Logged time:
5h51
